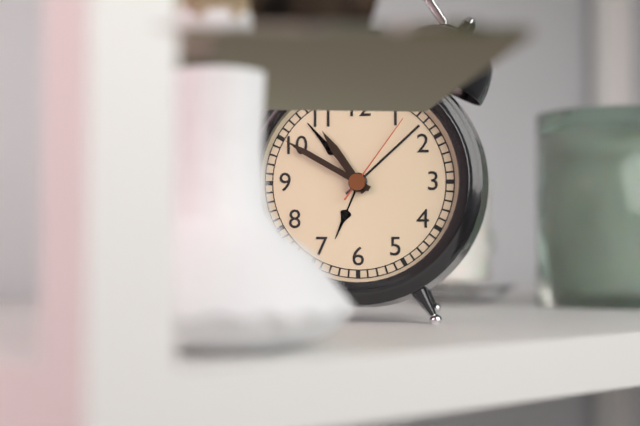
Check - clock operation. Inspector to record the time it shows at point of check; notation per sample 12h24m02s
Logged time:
10h50m06s
